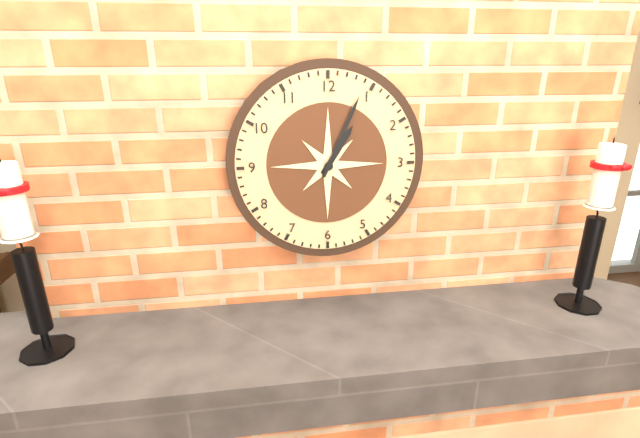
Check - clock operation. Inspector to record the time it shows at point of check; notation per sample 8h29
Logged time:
1h04
